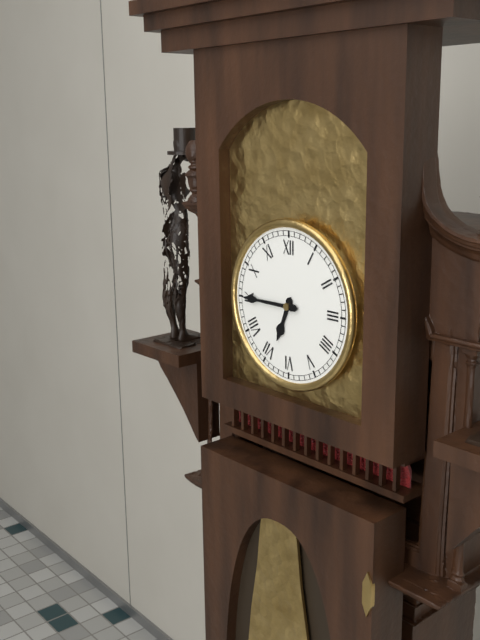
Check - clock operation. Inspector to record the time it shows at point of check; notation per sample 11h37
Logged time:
6h45
